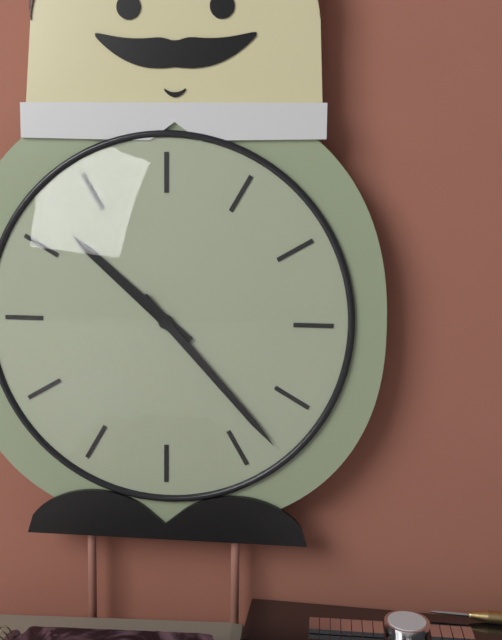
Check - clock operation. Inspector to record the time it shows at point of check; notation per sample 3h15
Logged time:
10h23
